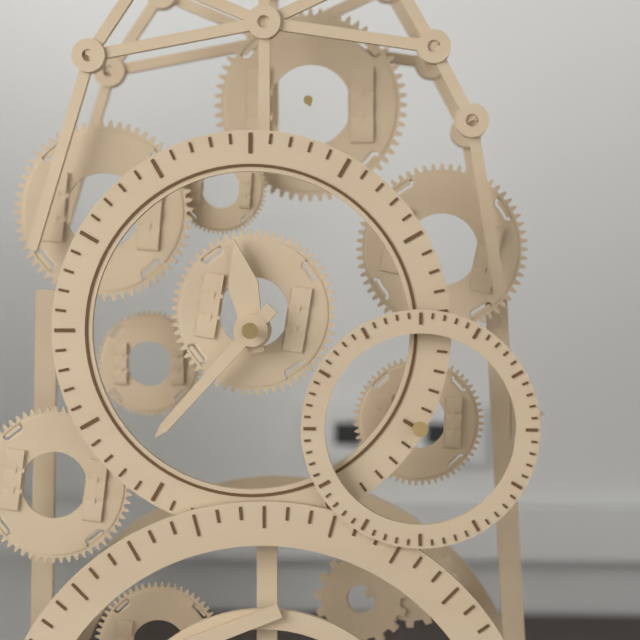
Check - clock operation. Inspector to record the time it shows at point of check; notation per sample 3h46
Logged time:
11h37
